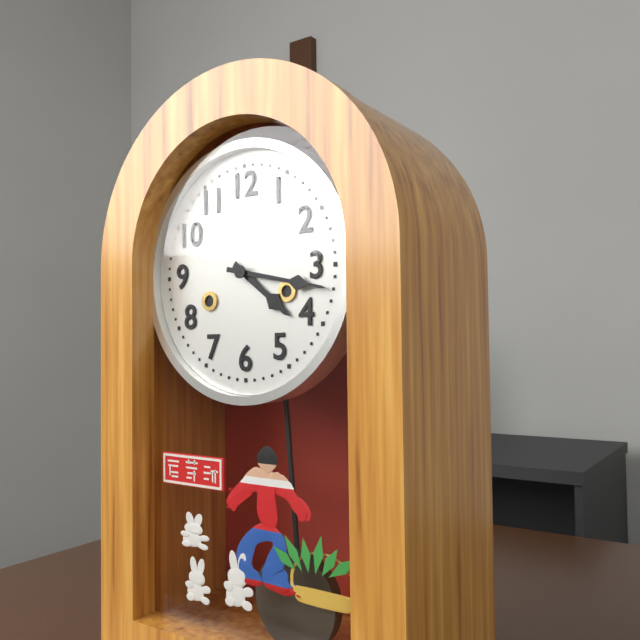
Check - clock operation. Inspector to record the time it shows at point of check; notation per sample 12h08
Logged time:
4h17
